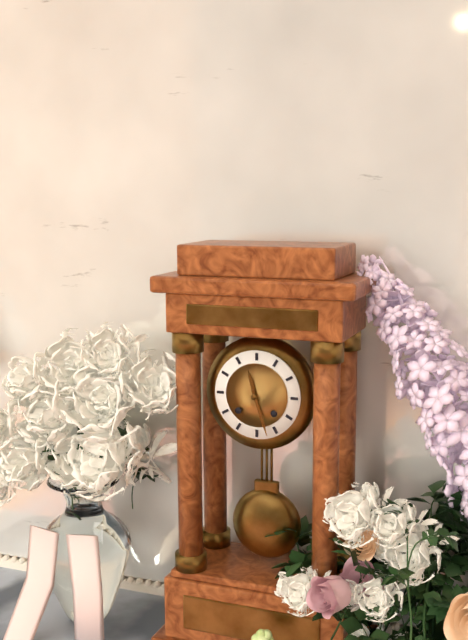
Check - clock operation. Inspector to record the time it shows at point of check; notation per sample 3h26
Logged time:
11h27
